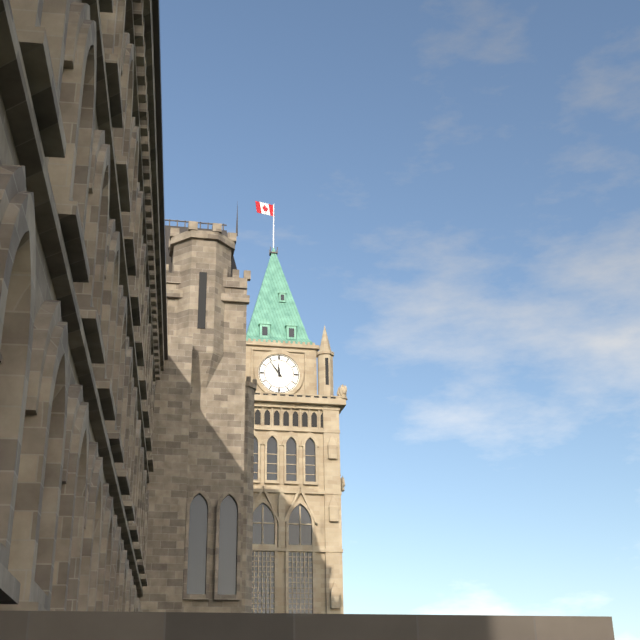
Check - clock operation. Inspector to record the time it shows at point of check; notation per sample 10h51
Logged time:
11h54
